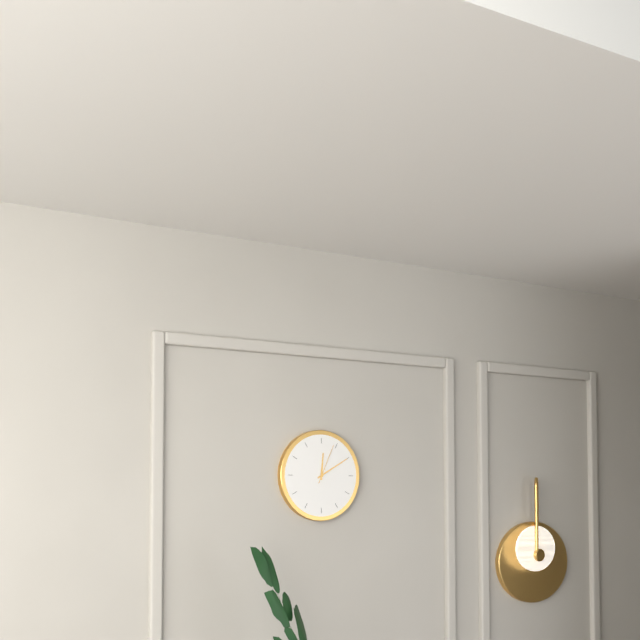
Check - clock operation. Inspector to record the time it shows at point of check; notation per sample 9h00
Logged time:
12h10
